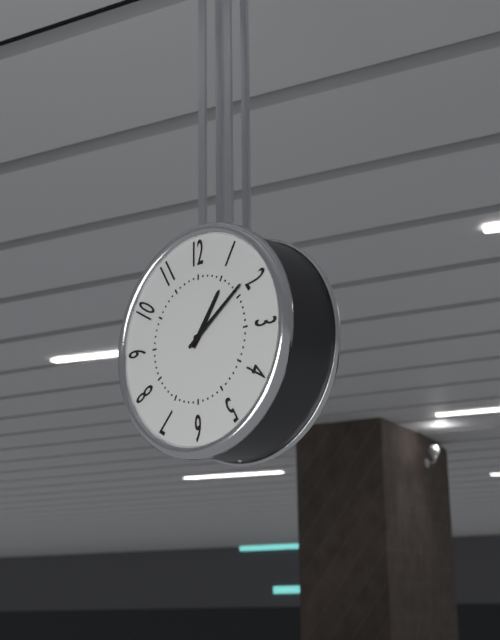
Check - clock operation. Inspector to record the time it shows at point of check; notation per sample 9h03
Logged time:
1h09
